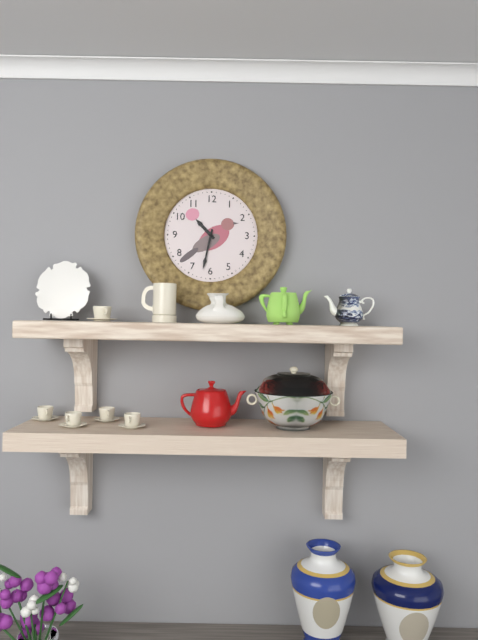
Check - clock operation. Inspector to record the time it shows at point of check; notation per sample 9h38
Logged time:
10h32
